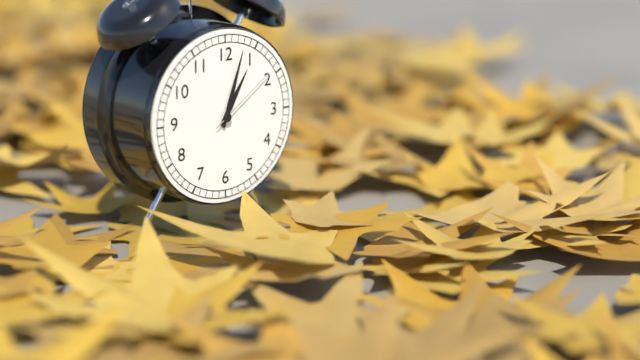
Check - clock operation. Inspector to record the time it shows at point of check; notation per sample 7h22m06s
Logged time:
1h03m09s
